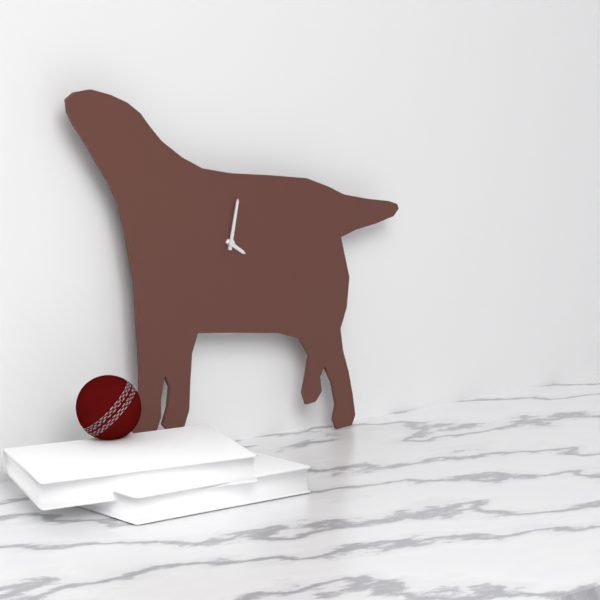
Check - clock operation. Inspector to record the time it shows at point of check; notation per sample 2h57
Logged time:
4h02
